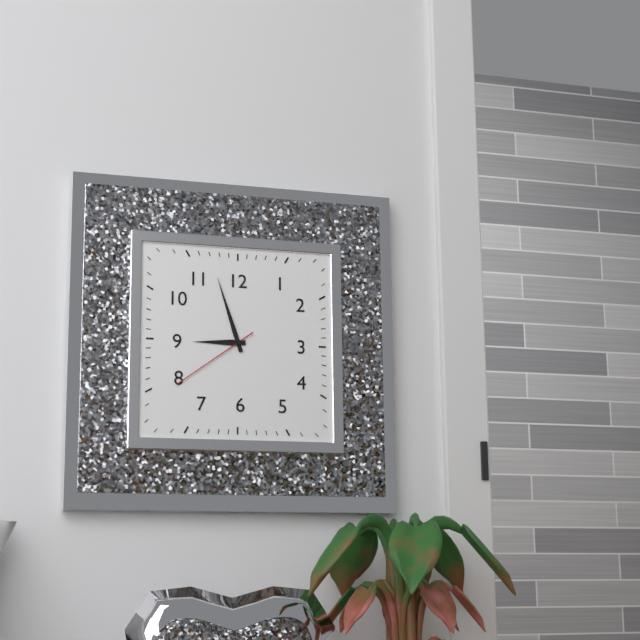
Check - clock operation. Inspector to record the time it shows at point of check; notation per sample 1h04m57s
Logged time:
8h57m39s
